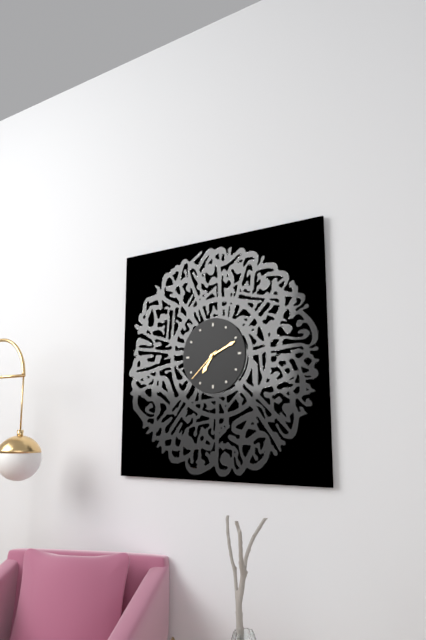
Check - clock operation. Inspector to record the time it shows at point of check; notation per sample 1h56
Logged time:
7h11
